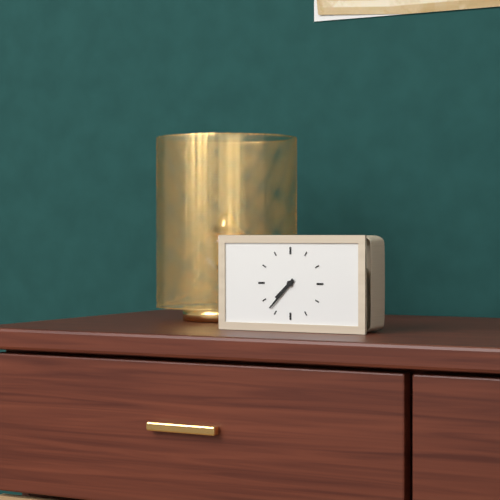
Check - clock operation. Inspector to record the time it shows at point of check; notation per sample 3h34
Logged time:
7h37
